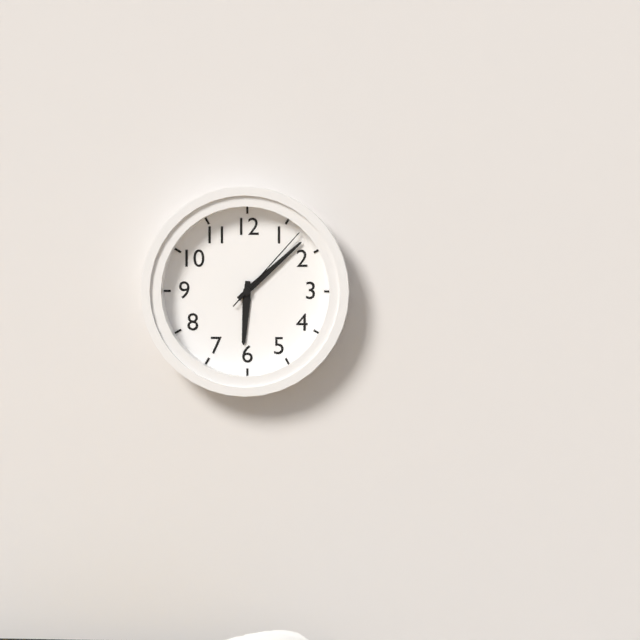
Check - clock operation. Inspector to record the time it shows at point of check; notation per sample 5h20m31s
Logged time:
6h08m07s
